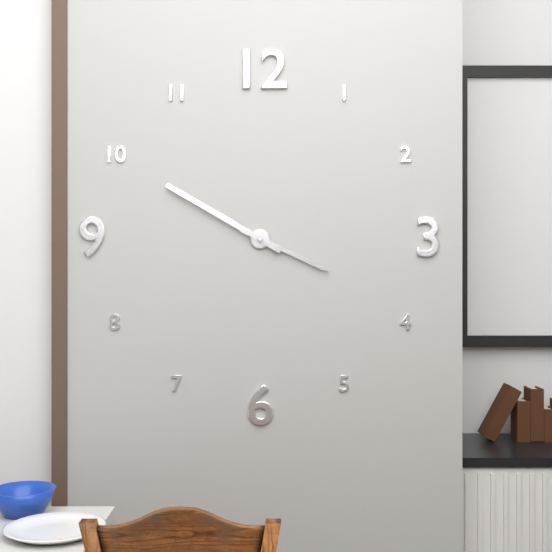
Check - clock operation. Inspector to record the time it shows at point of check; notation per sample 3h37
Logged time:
3h50
